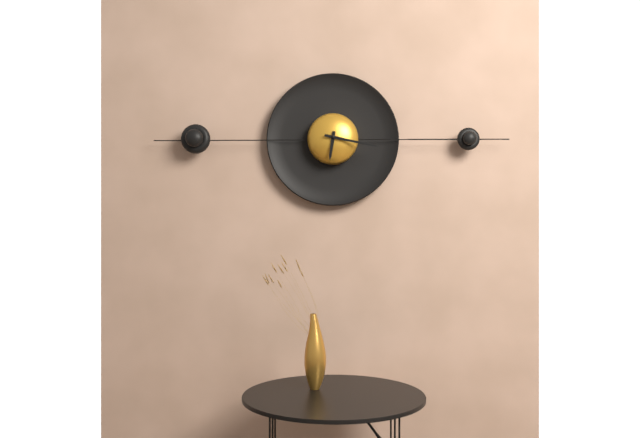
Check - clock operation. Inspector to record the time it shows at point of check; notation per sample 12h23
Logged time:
6h17
